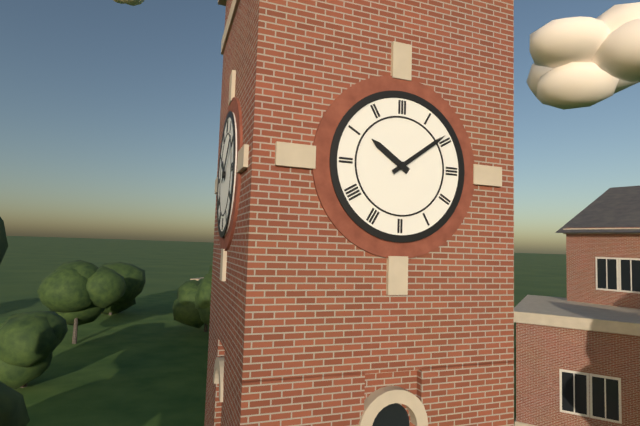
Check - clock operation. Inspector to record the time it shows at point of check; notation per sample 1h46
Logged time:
10h09
